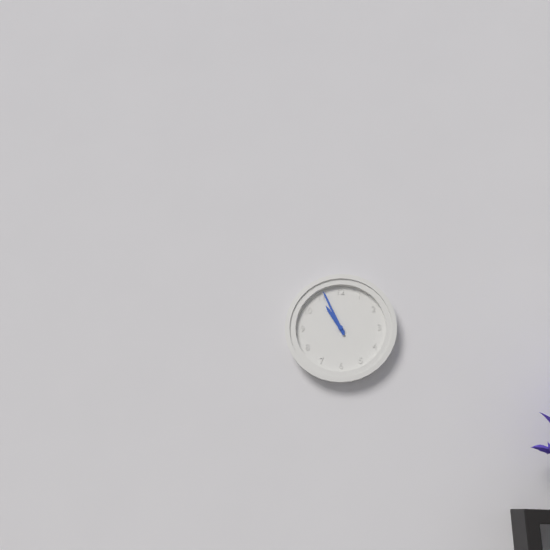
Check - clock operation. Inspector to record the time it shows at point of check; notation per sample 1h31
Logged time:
10h56
